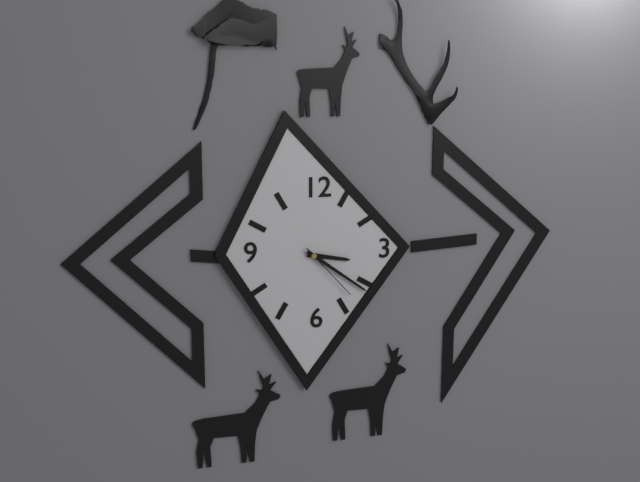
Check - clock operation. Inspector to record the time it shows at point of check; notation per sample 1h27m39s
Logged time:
3h21m23s
